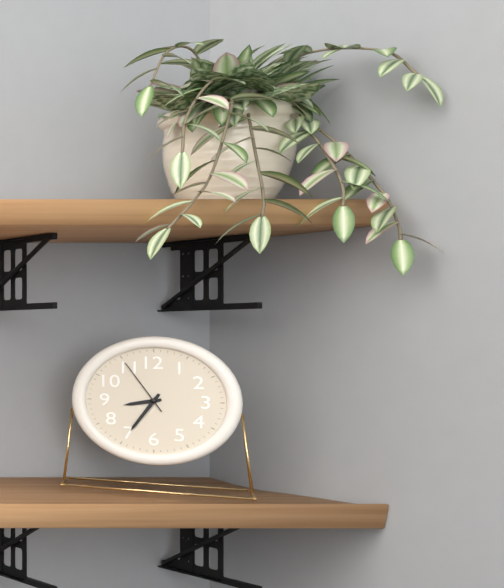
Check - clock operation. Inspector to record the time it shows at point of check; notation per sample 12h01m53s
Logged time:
8h35m55s
